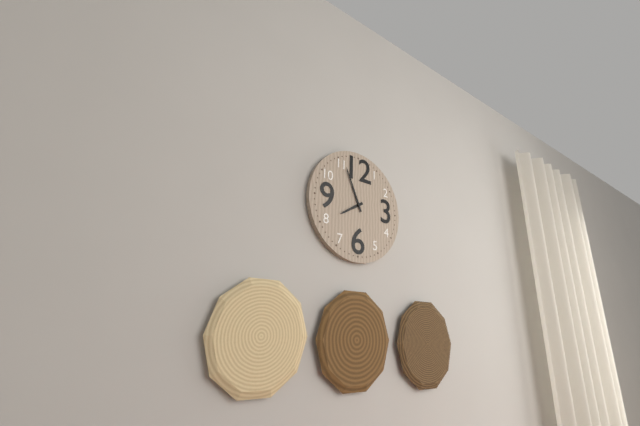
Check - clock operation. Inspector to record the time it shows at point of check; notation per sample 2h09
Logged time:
7h56
